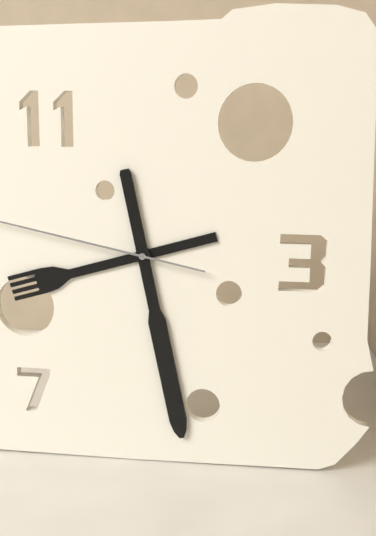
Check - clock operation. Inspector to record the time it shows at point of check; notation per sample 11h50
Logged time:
8h28
